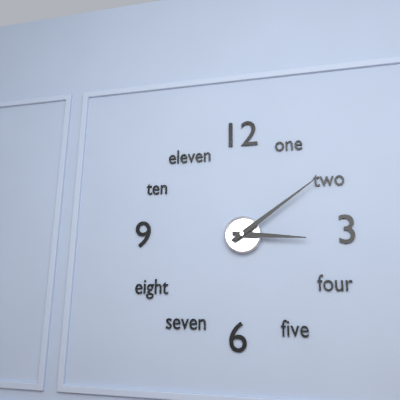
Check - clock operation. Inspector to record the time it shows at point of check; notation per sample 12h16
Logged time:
3h09
